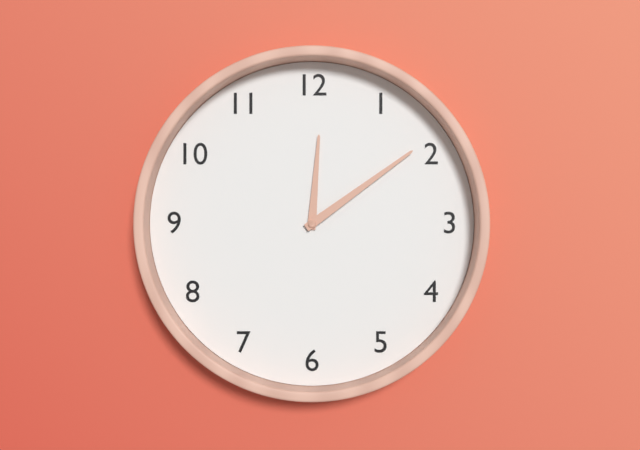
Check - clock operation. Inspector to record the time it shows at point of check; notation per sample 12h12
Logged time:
12h09
